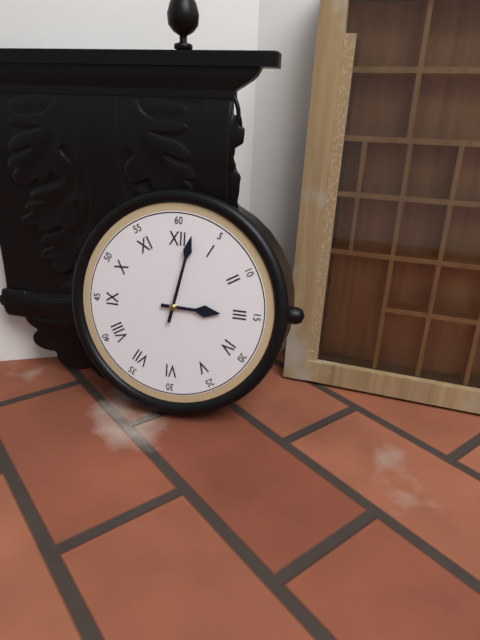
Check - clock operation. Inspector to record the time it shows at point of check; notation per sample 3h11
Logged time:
3h02
